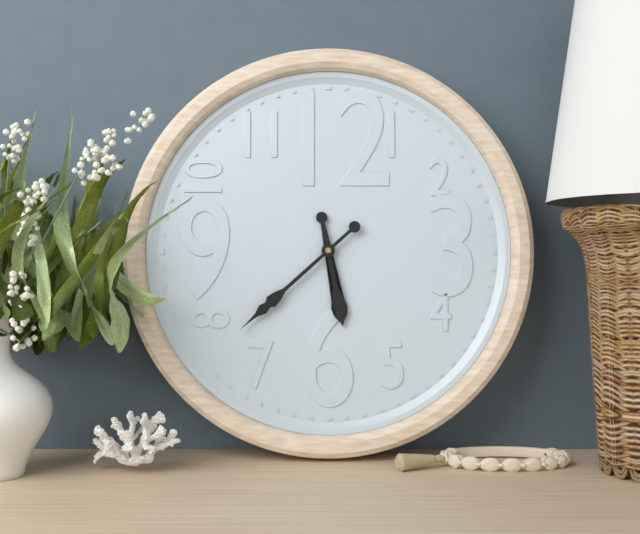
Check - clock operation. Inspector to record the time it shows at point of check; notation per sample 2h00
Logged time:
5h38
